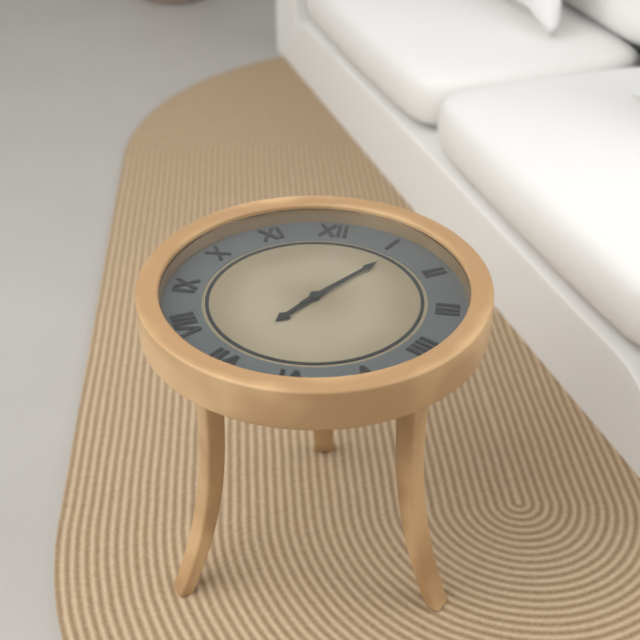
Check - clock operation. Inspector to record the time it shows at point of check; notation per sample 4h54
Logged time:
7h06
